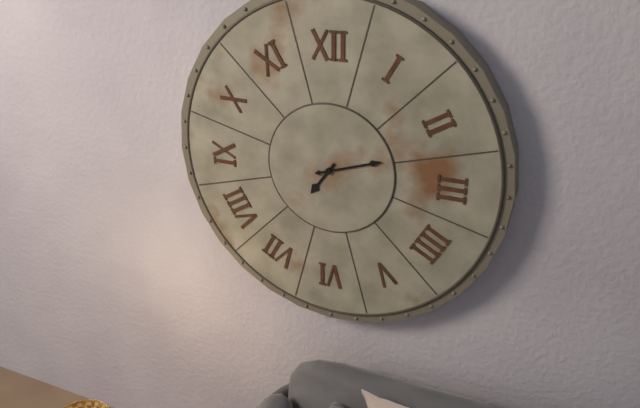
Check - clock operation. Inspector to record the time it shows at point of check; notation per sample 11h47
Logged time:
7h12
